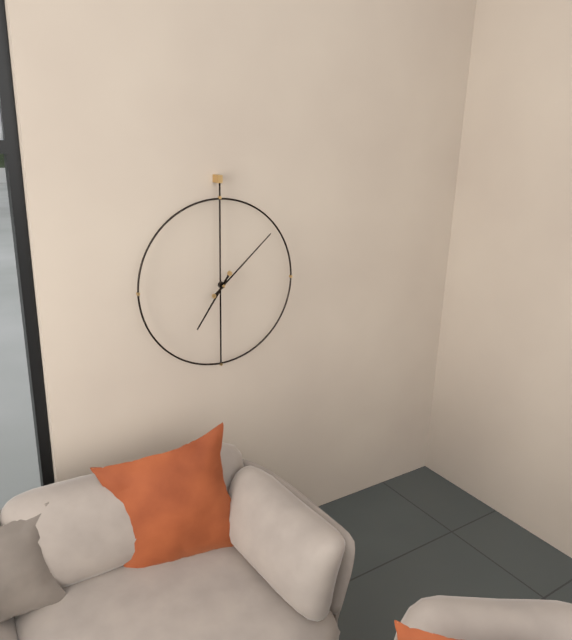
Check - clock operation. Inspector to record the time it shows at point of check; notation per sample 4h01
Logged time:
7h08
